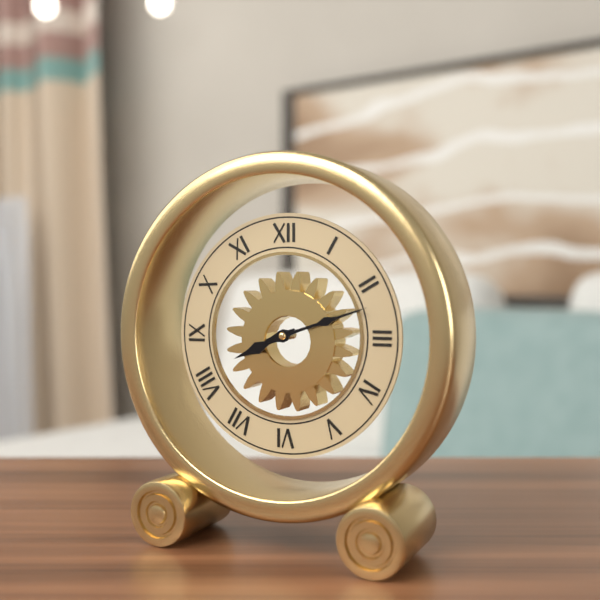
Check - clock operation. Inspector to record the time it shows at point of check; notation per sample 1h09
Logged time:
8h12
